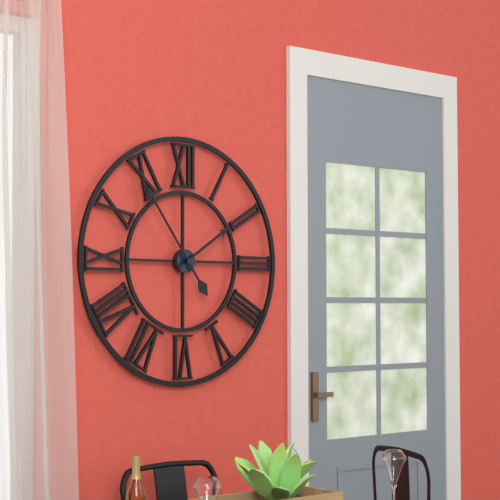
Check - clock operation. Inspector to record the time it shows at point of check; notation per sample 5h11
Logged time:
1h54
